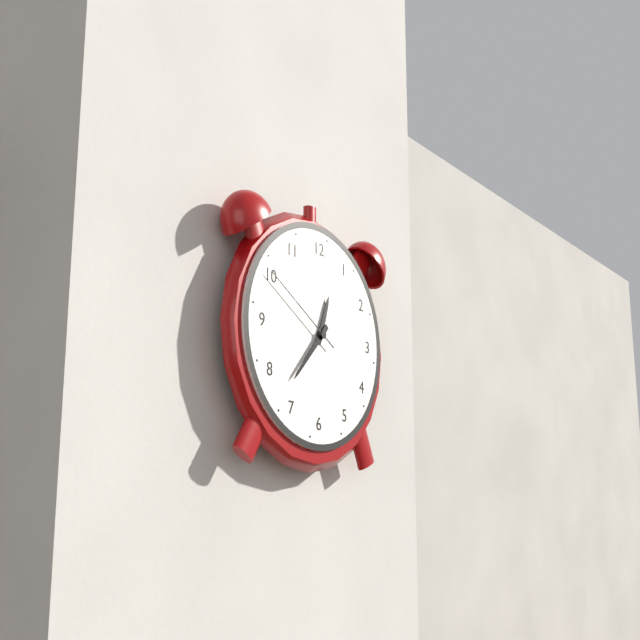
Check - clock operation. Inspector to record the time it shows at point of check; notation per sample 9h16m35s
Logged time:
12h37m50s
